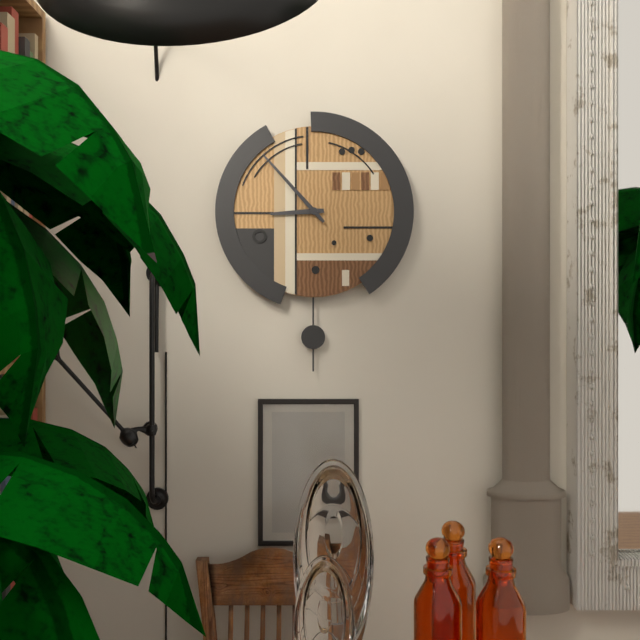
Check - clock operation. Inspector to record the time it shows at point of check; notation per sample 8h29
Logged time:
8h53
